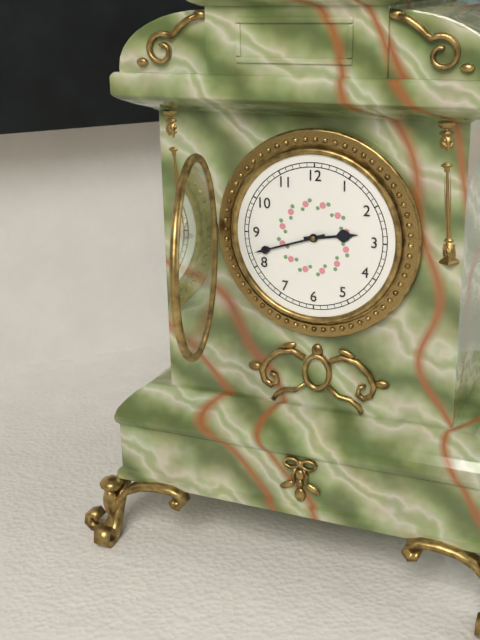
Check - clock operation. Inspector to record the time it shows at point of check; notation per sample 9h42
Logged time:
2h42
